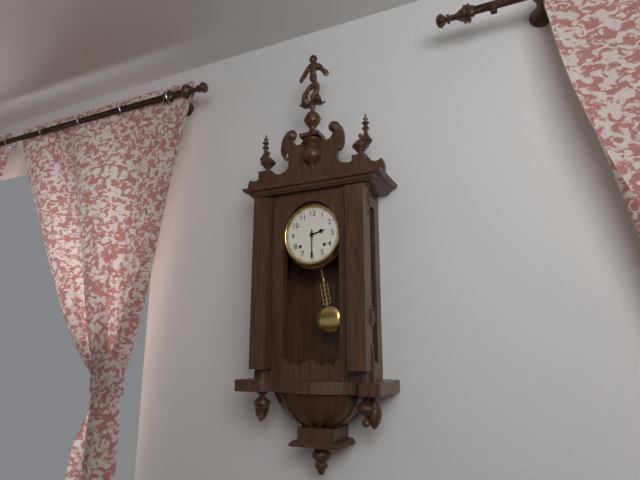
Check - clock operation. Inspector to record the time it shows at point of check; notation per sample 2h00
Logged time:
2h30
